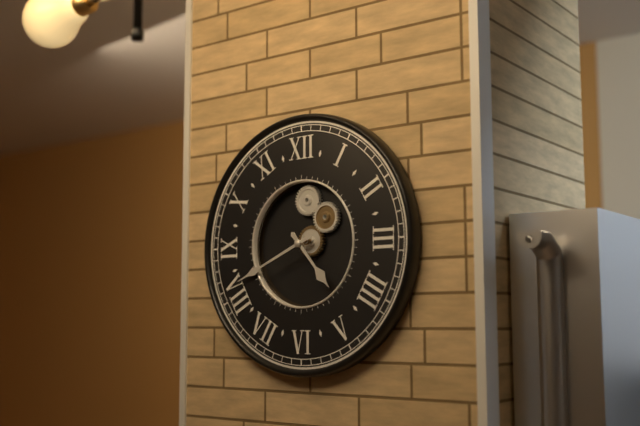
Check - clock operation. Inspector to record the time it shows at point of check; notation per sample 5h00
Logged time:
4h41
